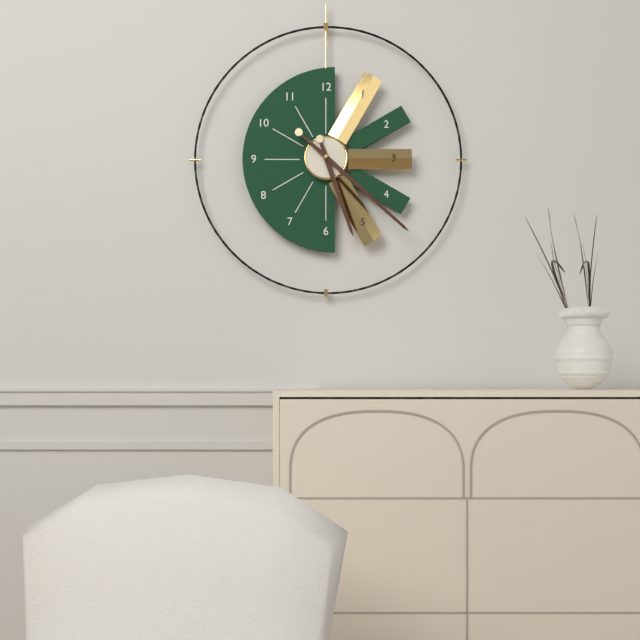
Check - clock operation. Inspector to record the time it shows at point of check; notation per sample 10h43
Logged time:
5h22
